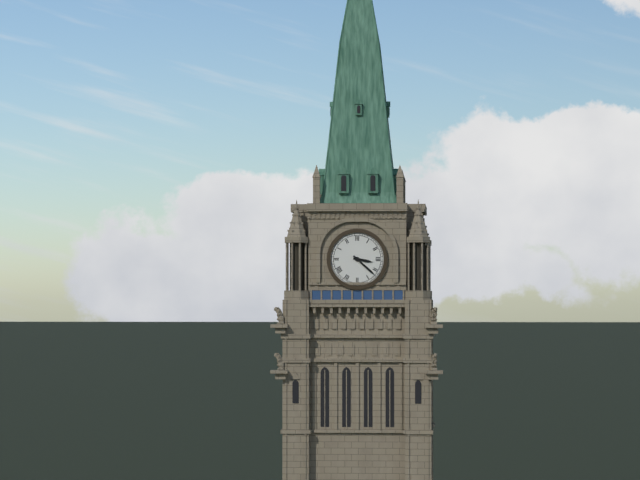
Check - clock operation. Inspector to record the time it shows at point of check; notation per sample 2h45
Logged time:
3h22
